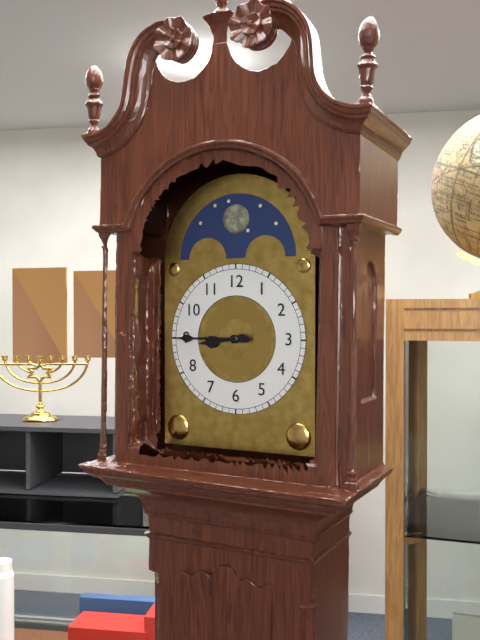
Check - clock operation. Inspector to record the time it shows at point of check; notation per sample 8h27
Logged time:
8h45
